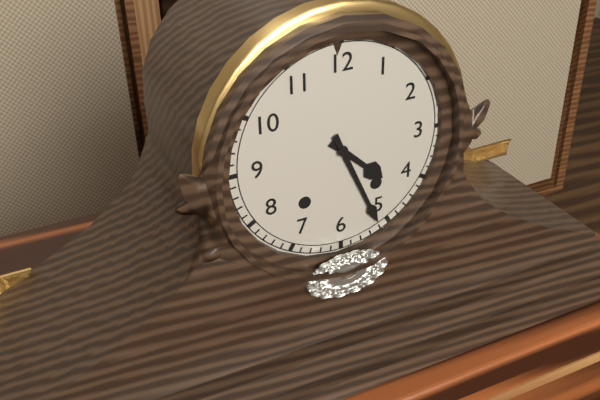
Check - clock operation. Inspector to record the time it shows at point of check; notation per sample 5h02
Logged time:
4h26
